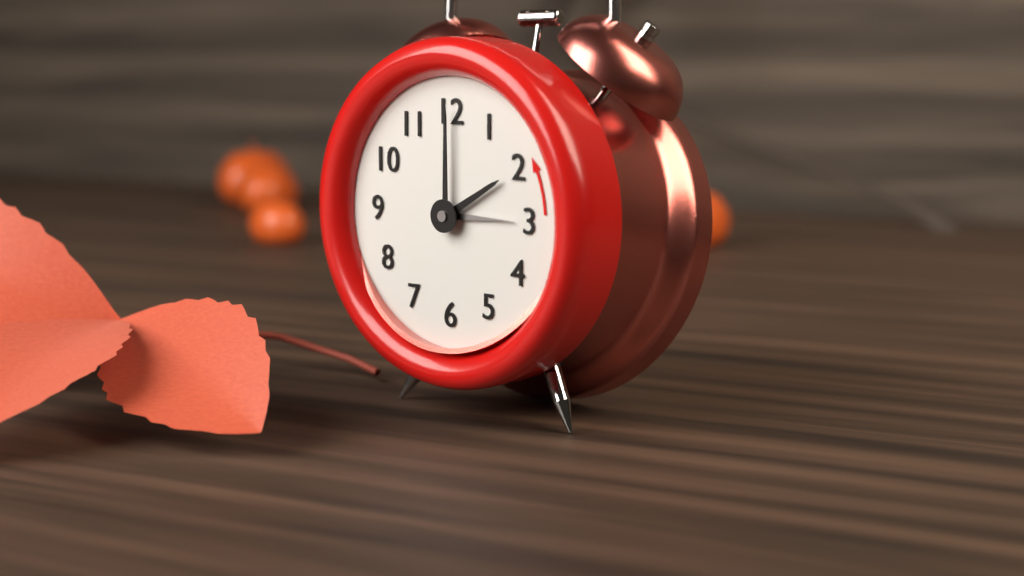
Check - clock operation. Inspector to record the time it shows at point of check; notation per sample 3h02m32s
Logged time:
2h00m15s
